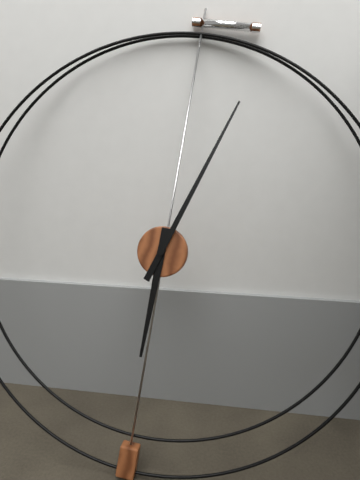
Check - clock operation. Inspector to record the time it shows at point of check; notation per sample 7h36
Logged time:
6h03
